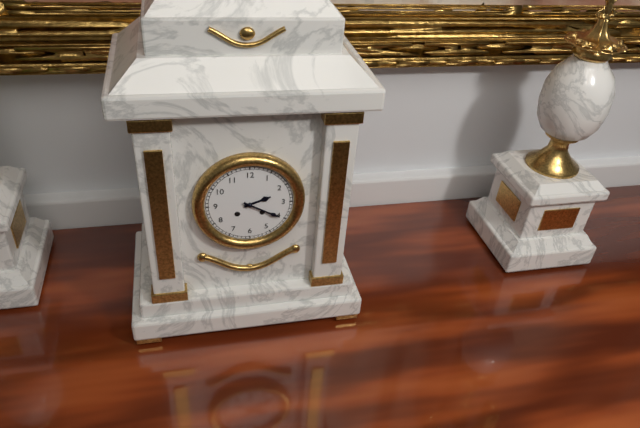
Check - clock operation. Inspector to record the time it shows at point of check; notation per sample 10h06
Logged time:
2h20
